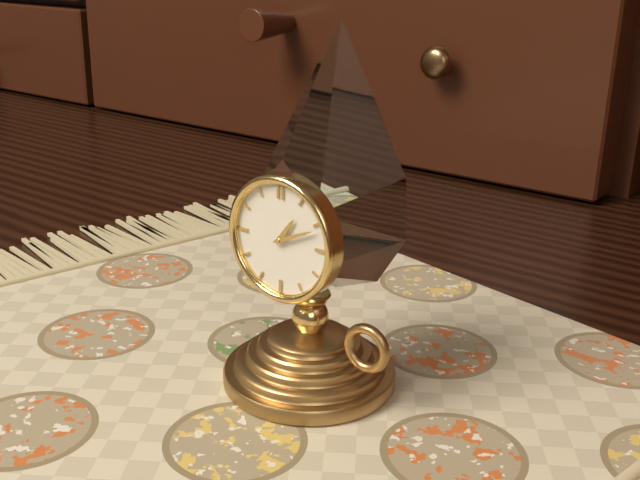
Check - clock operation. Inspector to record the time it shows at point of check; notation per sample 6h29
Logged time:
1h11
